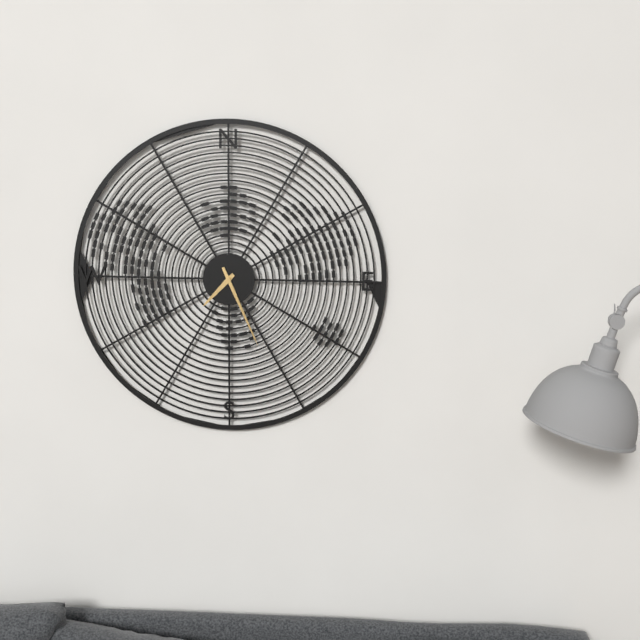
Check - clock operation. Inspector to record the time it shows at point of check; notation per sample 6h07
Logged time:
7h26
